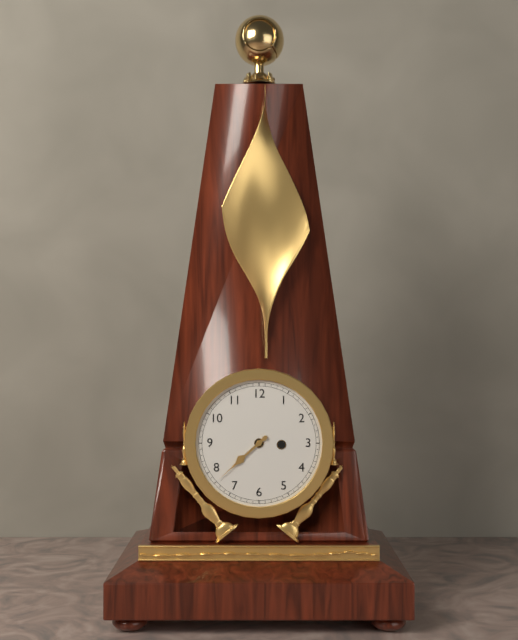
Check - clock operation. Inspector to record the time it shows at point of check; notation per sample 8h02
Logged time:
7h38
